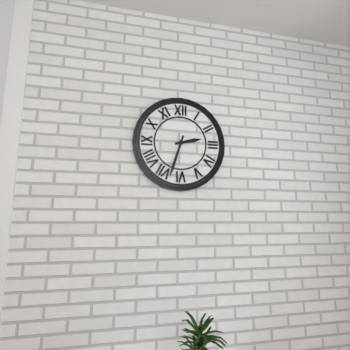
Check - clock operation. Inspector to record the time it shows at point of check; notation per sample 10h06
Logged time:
2h33
